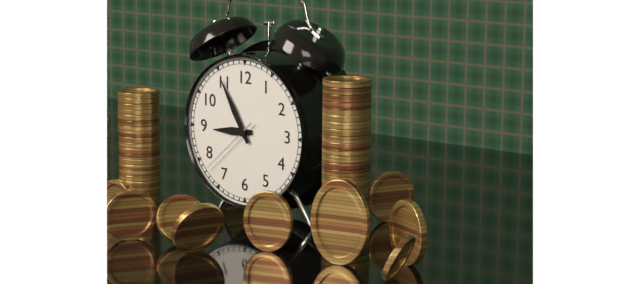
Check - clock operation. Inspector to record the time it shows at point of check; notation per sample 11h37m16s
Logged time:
8h55m38s
